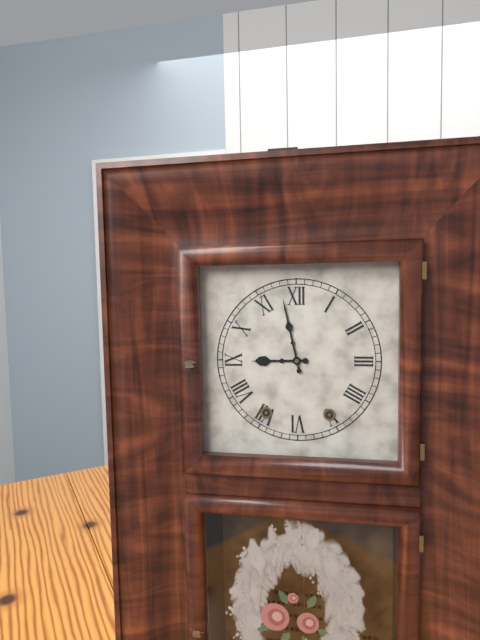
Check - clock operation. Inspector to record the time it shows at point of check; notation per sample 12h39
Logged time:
8h58
